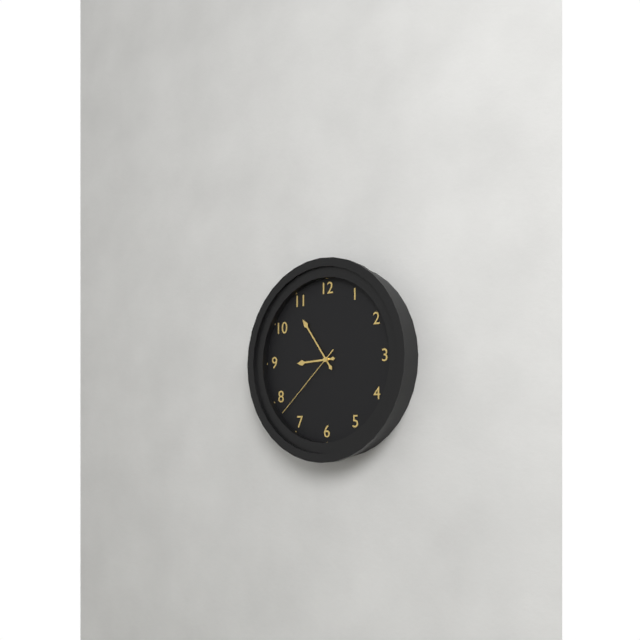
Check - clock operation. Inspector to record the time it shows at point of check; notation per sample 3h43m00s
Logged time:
8h54m38s
